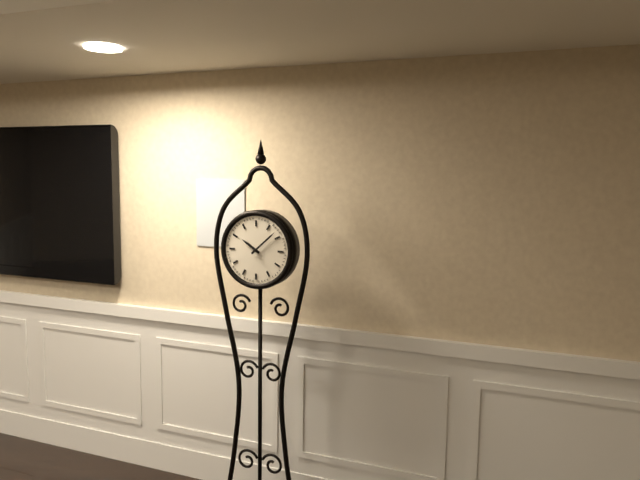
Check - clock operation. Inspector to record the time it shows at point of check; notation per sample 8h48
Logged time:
10h08
